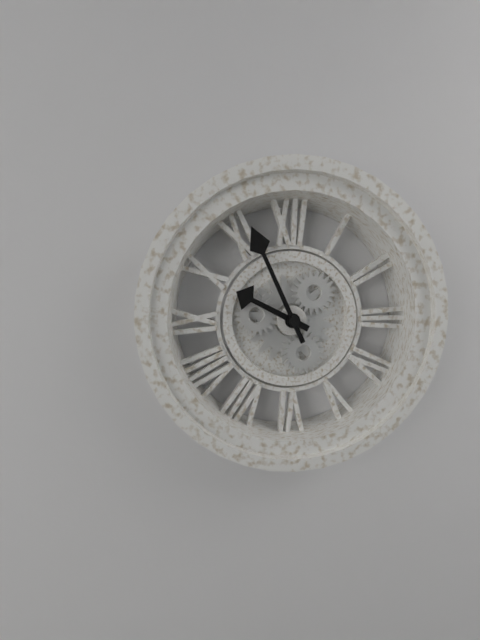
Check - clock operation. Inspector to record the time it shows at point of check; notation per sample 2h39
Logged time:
9h56
